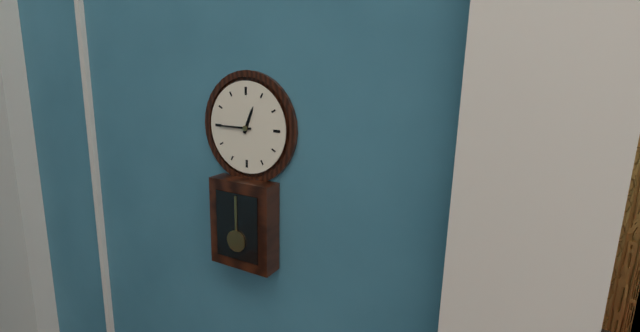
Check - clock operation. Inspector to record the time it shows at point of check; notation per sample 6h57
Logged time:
12h45
